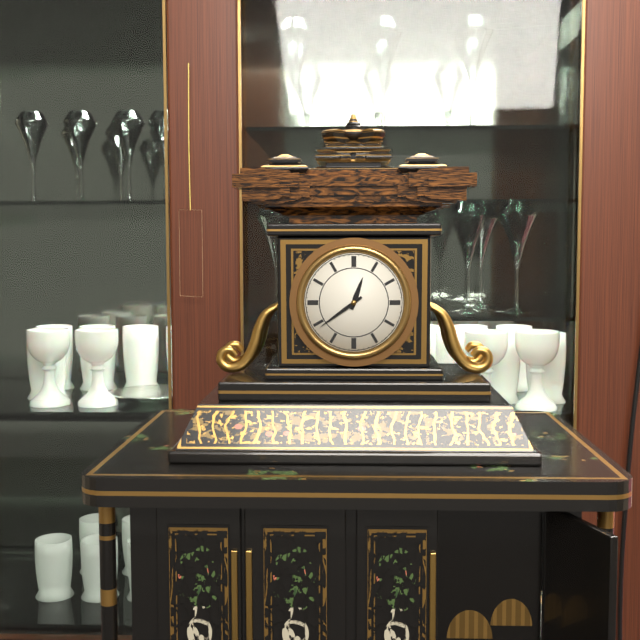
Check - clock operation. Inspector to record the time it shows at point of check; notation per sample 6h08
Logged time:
12h39
